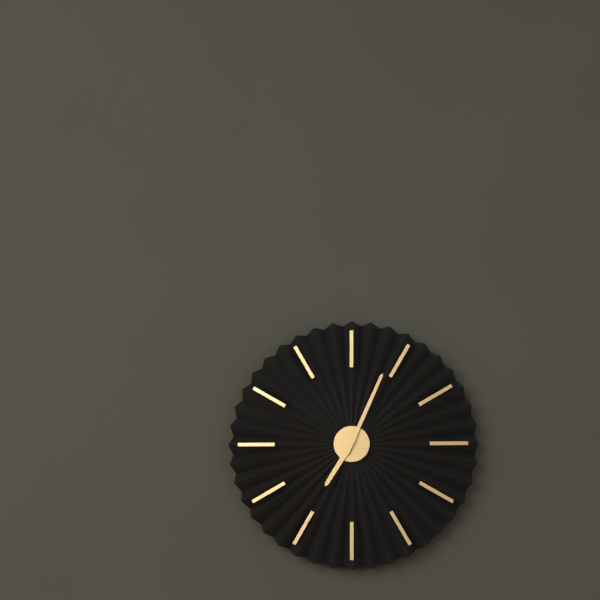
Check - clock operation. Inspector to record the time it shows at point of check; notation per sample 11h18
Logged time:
7h04
